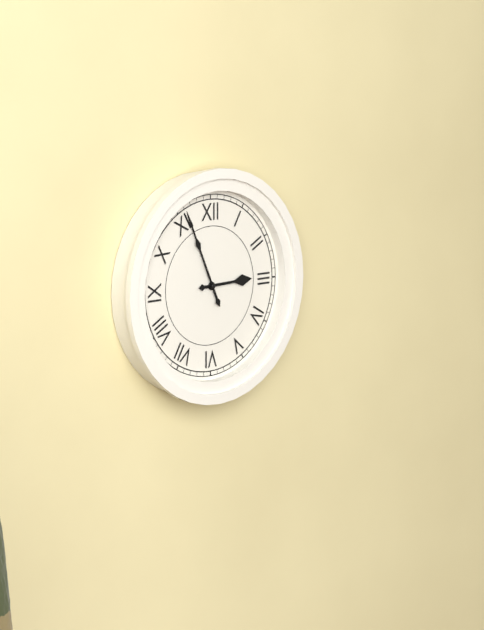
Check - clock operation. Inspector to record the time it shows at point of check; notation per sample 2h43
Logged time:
2h56
